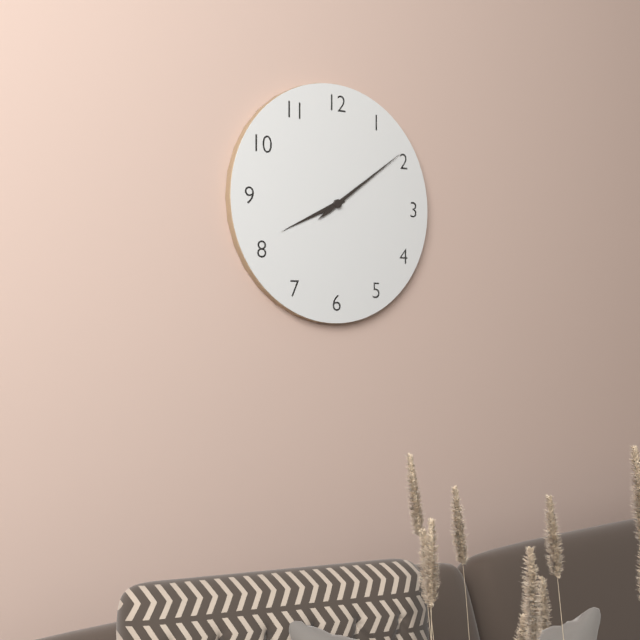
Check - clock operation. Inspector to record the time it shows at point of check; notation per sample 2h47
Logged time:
8h09
